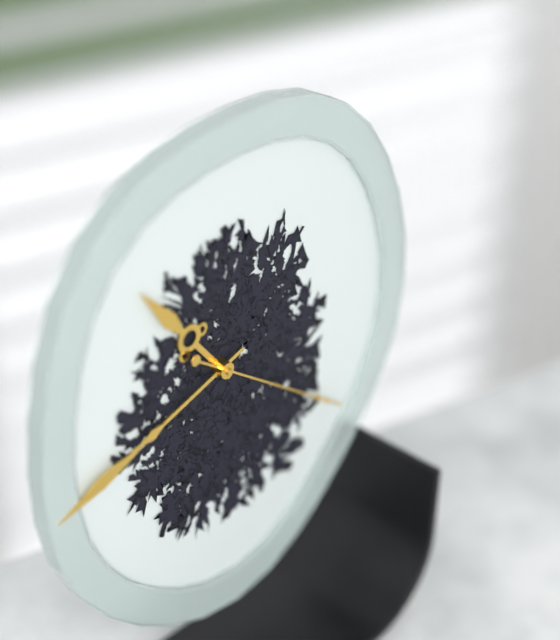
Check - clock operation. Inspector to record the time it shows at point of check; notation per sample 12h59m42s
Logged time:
10h42m21s
